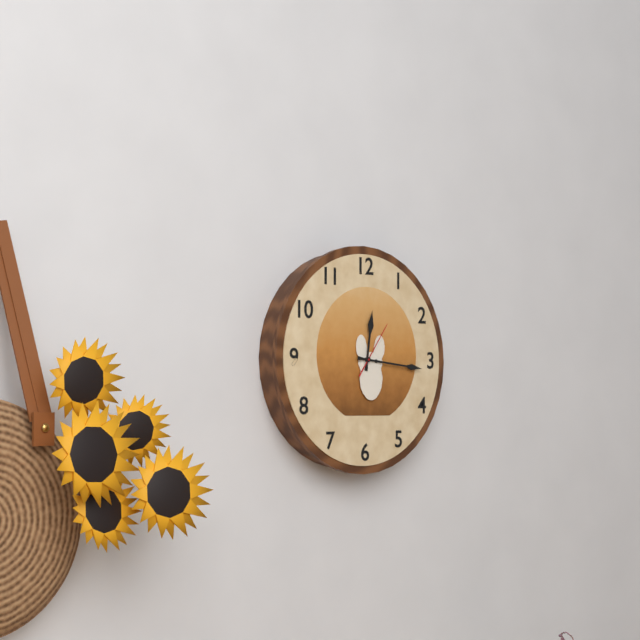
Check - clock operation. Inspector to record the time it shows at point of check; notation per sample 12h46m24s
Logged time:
12h16m06s
